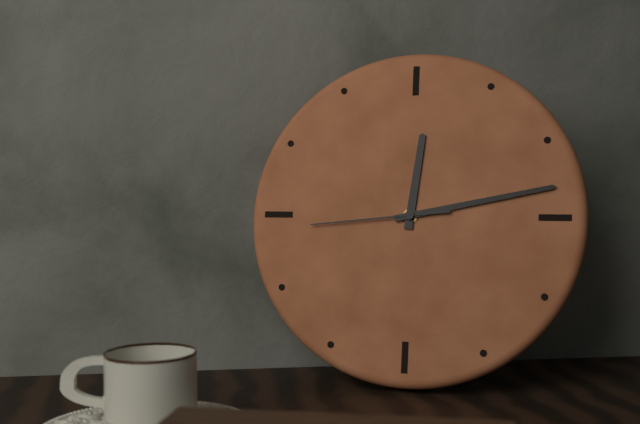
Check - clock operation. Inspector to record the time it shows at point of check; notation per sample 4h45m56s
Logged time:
12h13m44s
